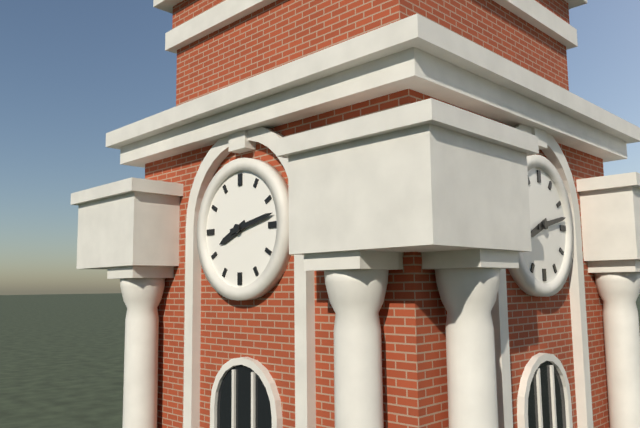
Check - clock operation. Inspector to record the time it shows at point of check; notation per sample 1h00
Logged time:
8h13
